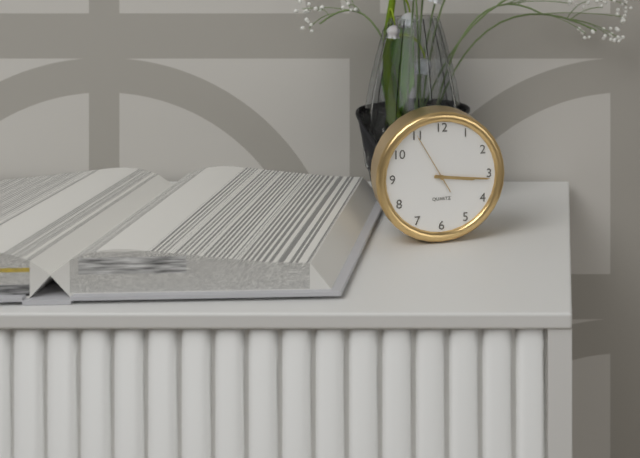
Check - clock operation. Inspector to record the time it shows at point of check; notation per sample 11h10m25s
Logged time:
3h16m55s
